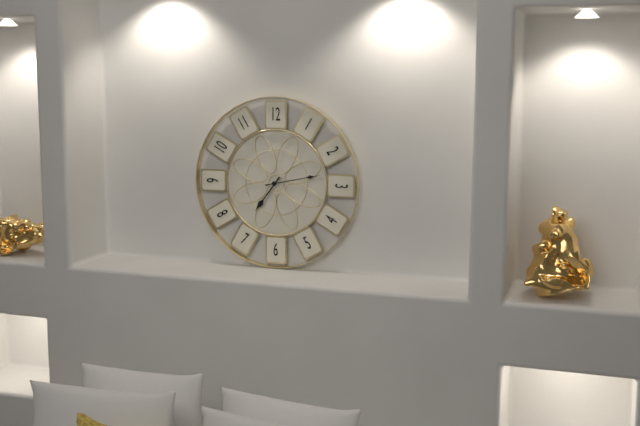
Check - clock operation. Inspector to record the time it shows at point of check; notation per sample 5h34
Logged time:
7h13
